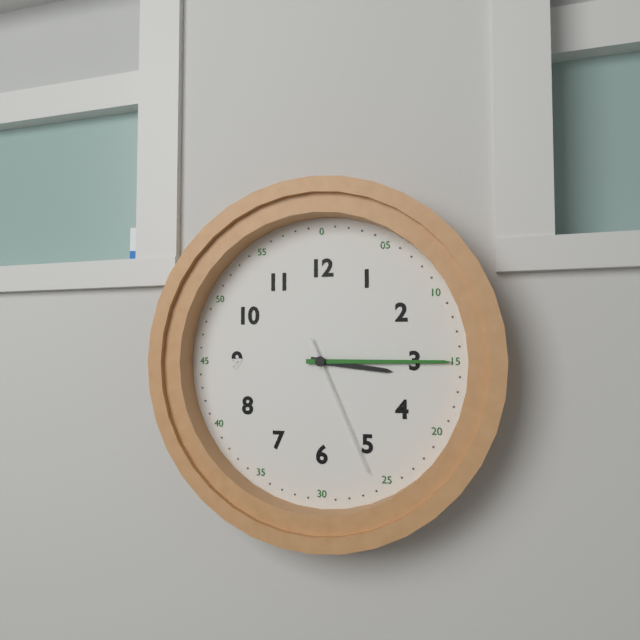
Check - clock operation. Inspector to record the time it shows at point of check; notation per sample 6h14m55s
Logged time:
3h15m26s
